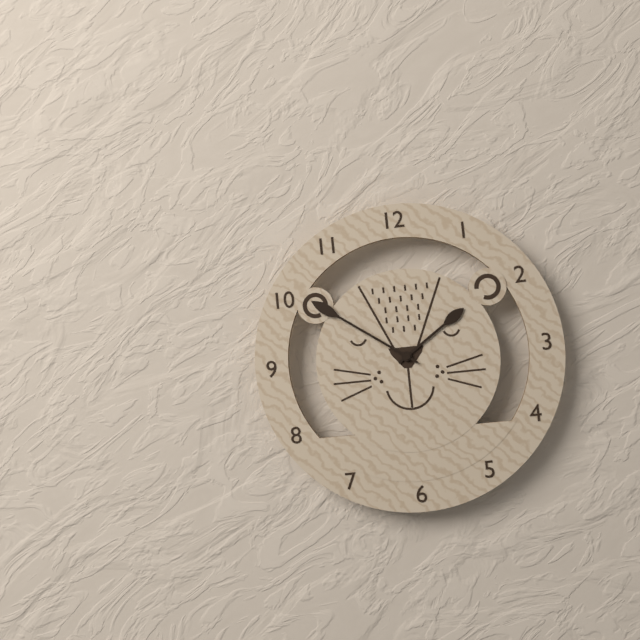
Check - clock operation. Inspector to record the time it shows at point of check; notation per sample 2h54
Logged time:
1h51
